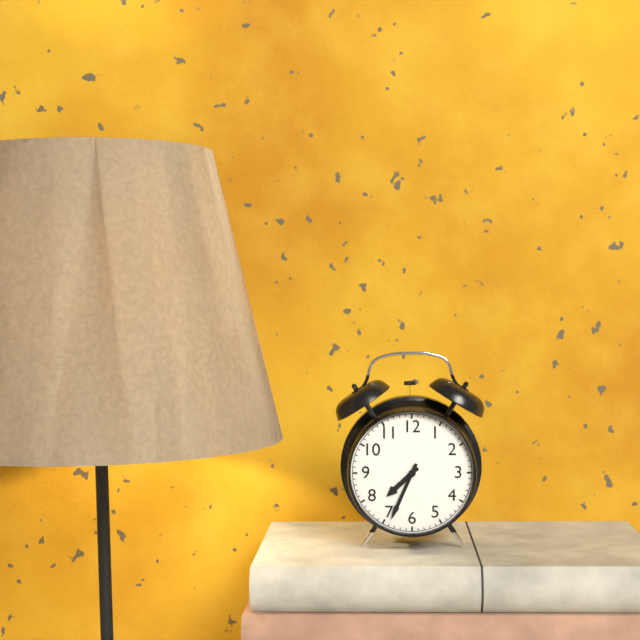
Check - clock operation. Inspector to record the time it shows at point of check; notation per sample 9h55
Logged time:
7h34
